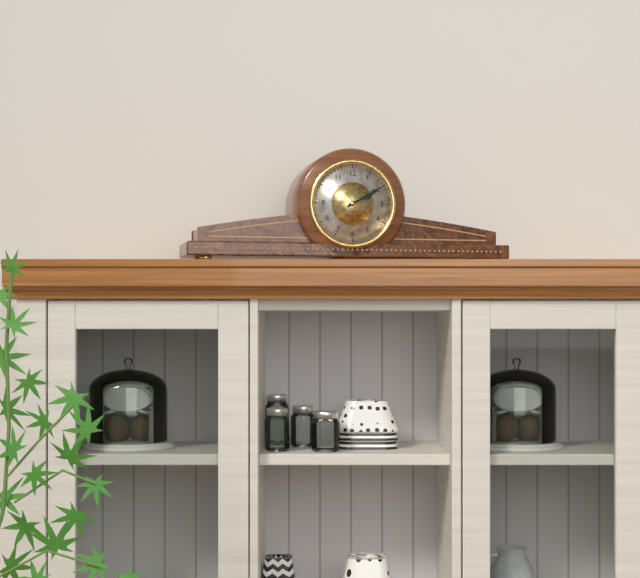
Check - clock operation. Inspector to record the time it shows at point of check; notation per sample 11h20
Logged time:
2h10
